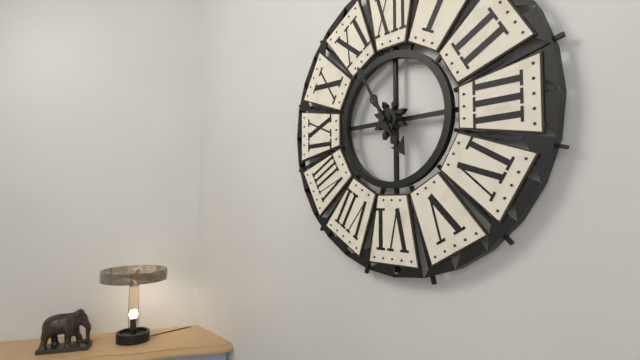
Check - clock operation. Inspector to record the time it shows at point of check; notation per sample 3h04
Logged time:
4h55
